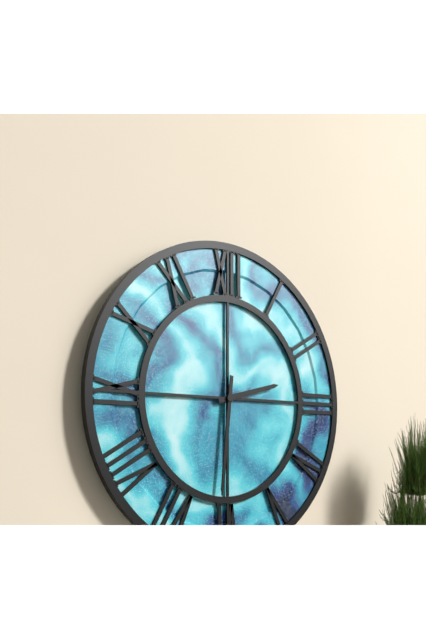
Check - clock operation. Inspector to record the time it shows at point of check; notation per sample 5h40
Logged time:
2h31
